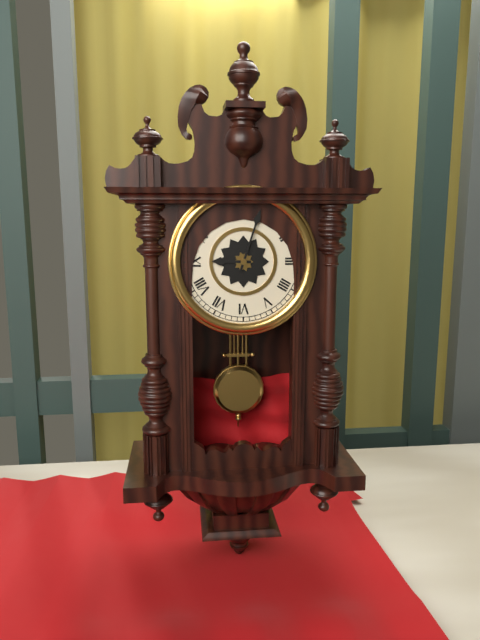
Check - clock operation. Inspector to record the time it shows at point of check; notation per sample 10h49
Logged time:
9h03
